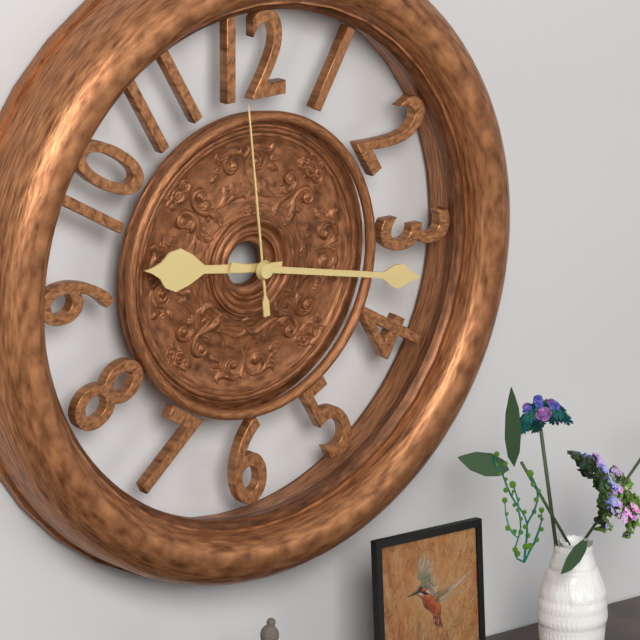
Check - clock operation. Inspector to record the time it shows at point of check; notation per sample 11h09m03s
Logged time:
9h17m59s
